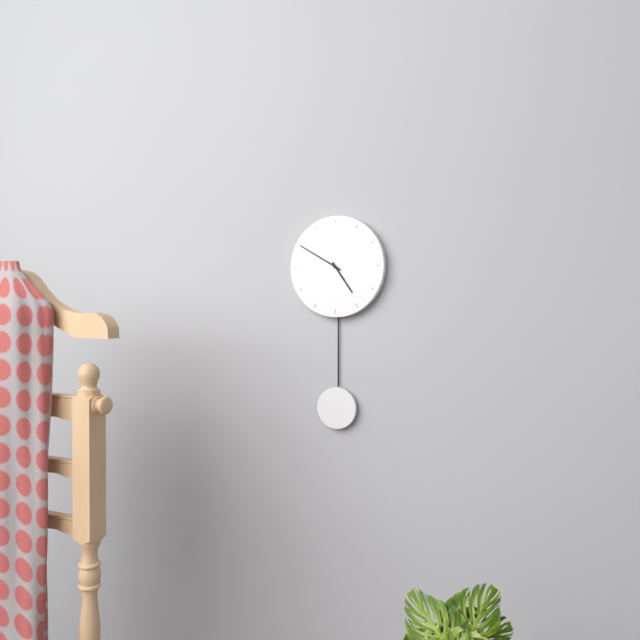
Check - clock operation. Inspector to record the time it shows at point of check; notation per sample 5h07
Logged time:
4h50
